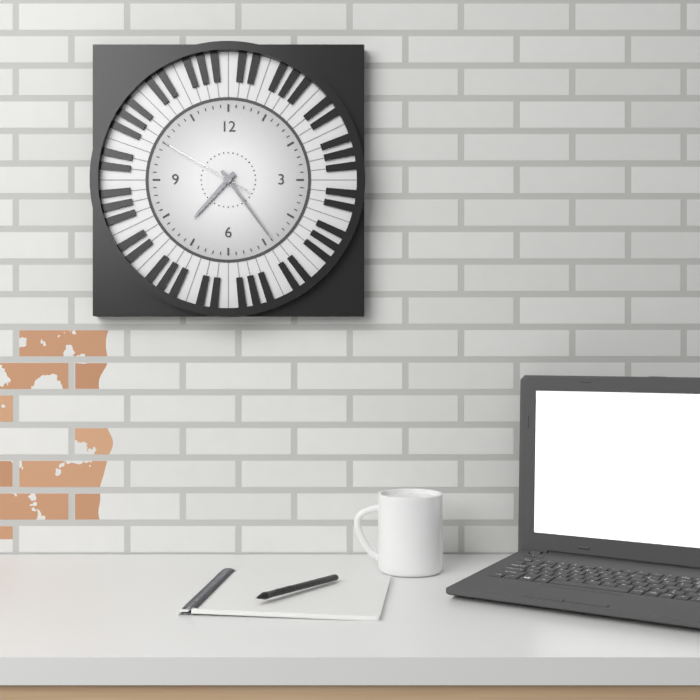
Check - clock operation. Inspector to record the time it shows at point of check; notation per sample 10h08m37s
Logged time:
7h24m50s
